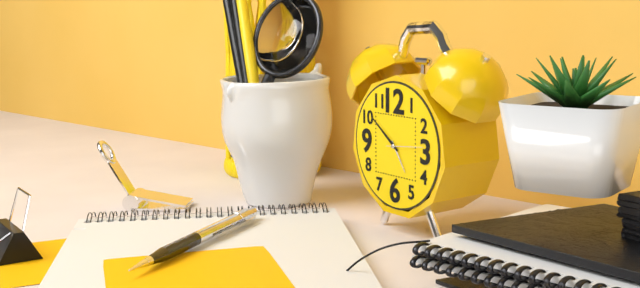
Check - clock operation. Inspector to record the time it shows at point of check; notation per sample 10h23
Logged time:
4h51
